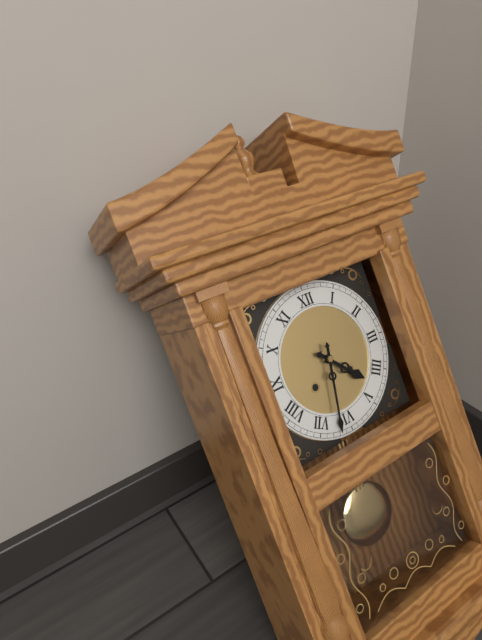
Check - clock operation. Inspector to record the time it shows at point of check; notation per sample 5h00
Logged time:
4h32
